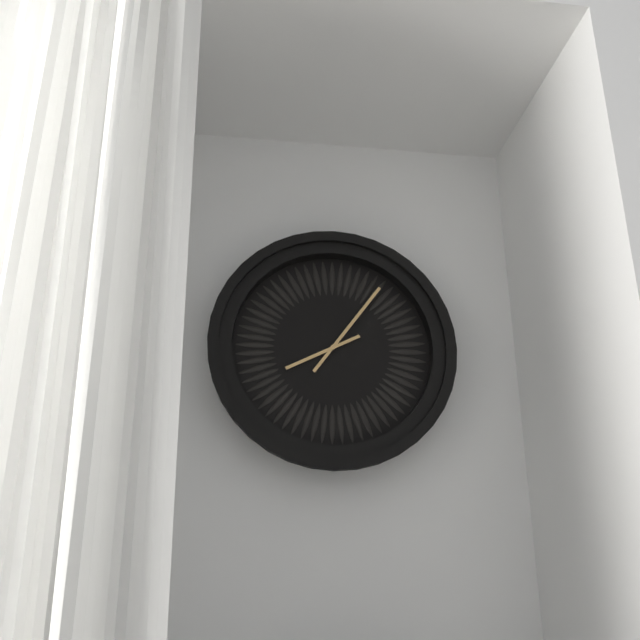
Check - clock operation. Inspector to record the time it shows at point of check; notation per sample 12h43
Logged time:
8h06
